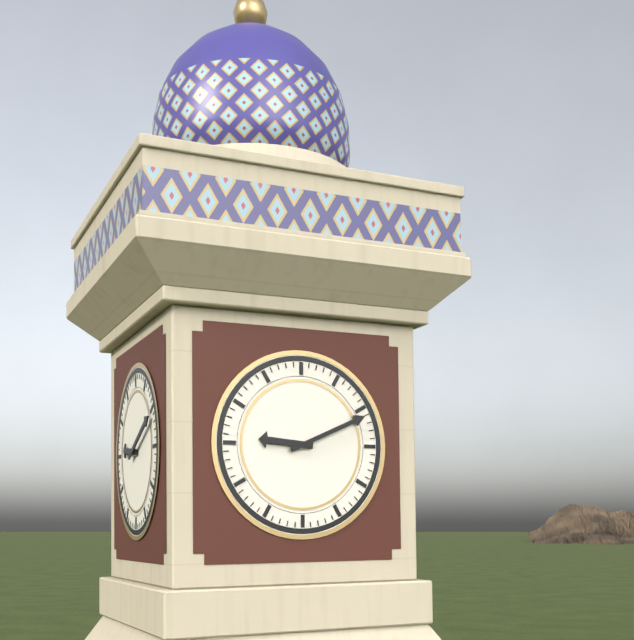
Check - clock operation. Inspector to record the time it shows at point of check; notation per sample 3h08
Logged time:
9h11
